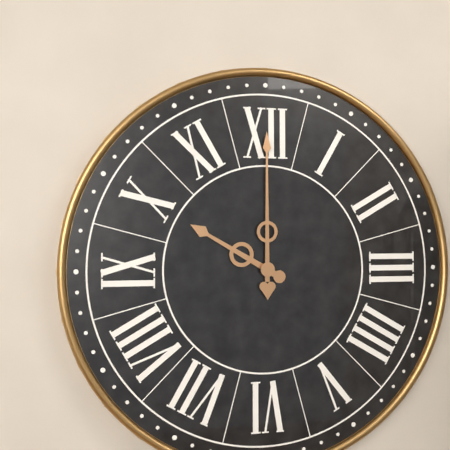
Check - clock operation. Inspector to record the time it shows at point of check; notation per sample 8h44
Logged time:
10h00
